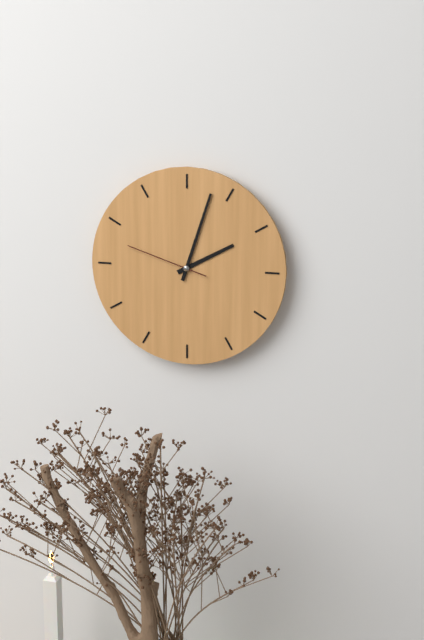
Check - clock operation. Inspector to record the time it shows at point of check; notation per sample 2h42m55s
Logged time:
2h03m48s
